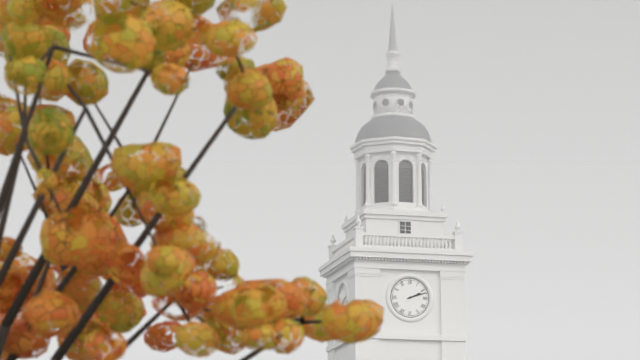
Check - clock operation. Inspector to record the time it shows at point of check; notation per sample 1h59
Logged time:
2h12
